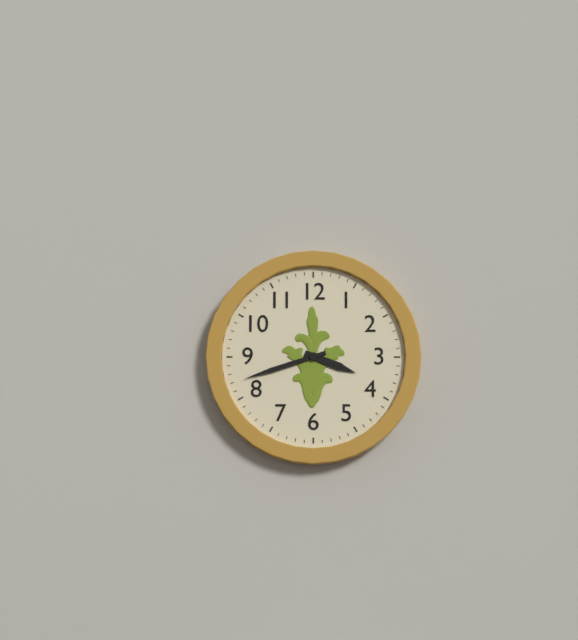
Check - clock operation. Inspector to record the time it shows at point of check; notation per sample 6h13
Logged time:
3h42
